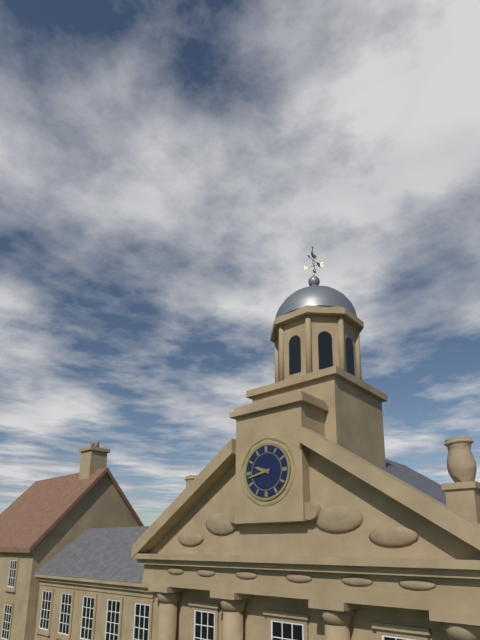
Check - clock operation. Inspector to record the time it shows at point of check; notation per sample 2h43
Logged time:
9h43
